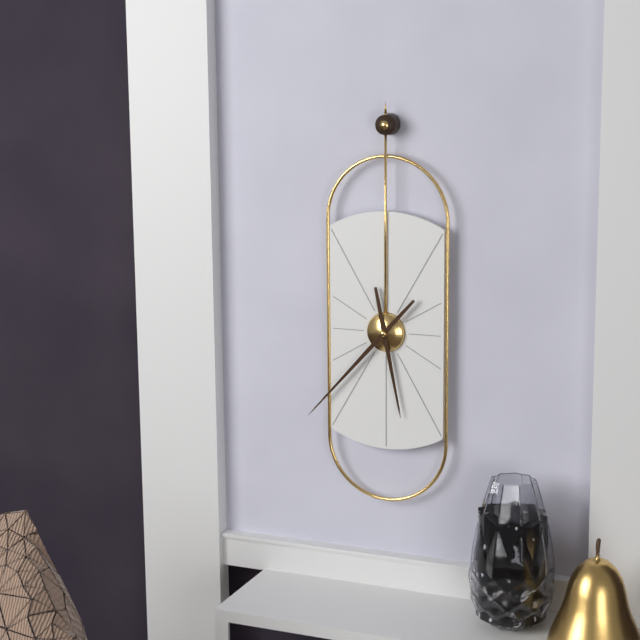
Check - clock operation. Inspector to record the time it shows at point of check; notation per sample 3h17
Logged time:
5h37
